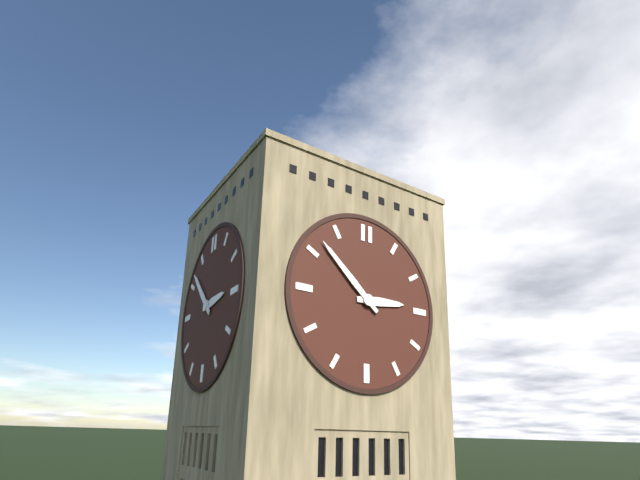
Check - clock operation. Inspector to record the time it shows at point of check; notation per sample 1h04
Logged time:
2h52
